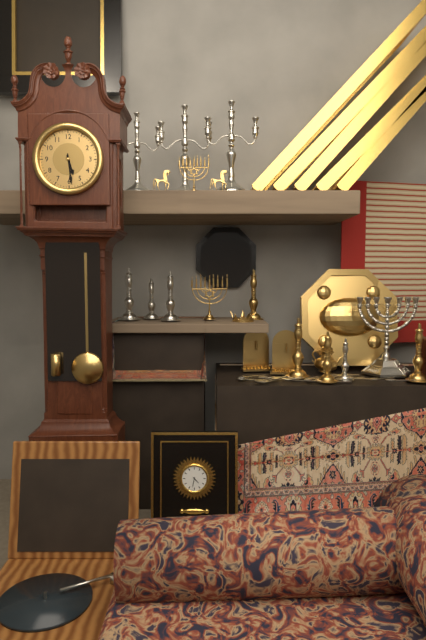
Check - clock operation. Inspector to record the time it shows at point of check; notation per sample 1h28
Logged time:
5h29
